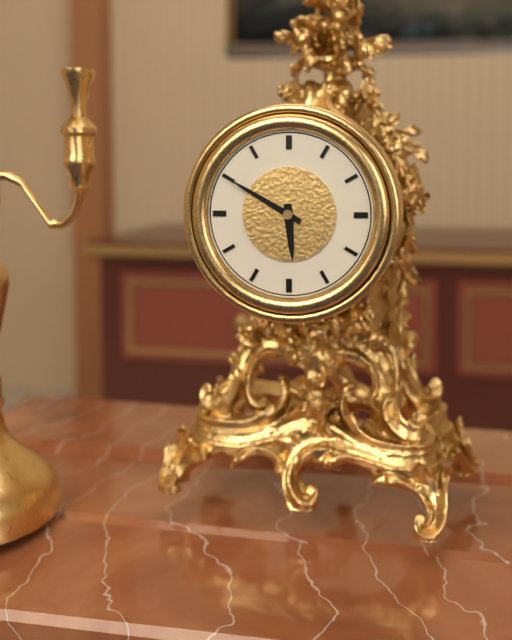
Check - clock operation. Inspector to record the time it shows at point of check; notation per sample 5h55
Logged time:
5h50
